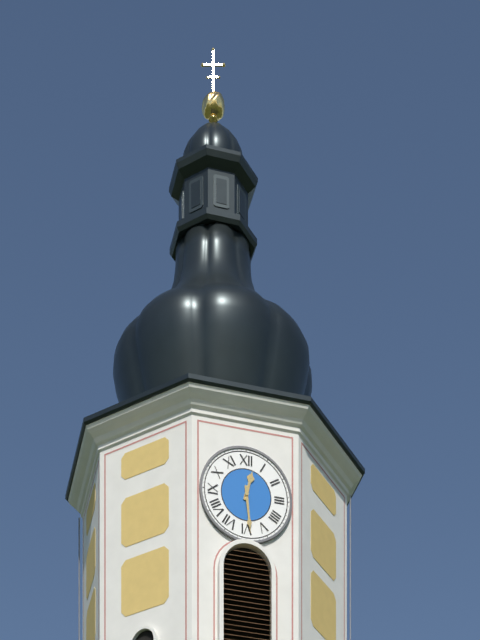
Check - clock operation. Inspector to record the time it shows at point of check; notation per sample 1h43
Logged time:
12h29
